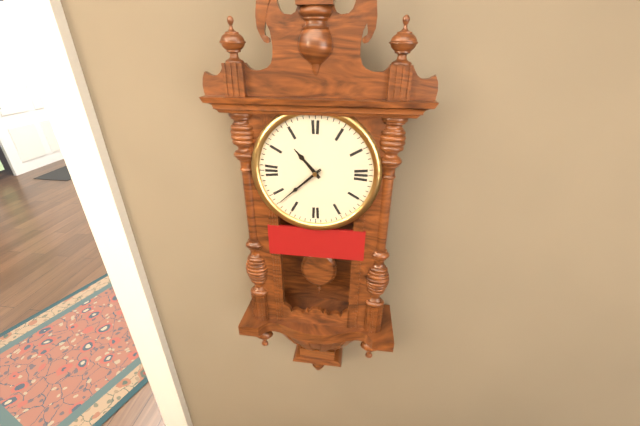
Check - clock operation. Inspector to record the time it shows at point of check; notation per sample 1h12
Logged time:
10h38
